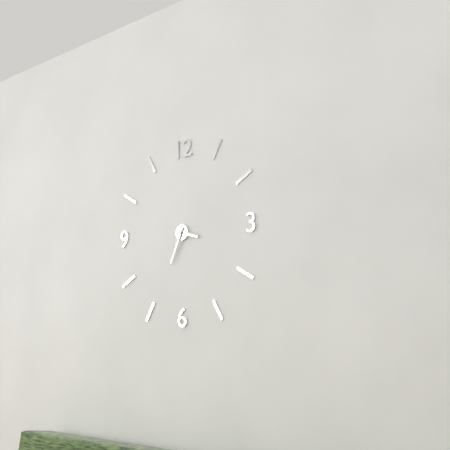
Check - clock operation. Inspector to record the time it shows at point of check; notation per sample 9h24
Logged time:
3h34
